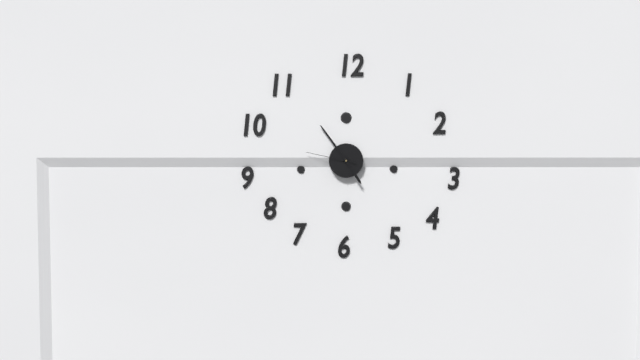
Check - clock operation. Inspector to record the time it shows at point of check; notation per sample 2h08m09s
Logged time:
4h54m47s
